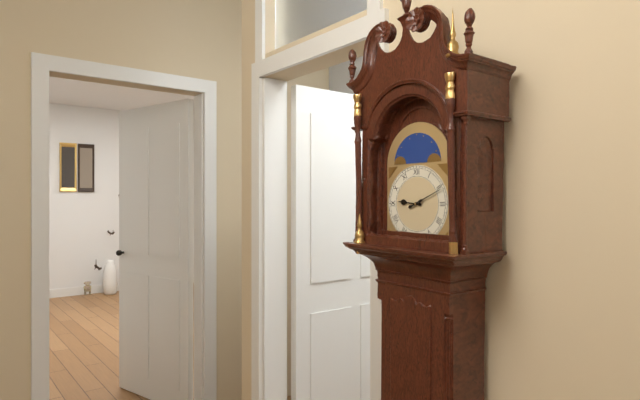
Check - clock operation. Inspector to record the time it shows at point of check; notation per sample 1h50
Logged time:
9h11
